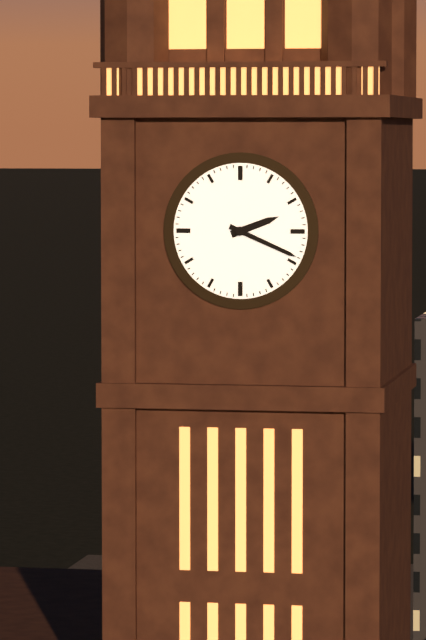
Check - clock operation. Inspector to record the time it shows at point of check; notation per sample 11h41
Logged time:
2h19
